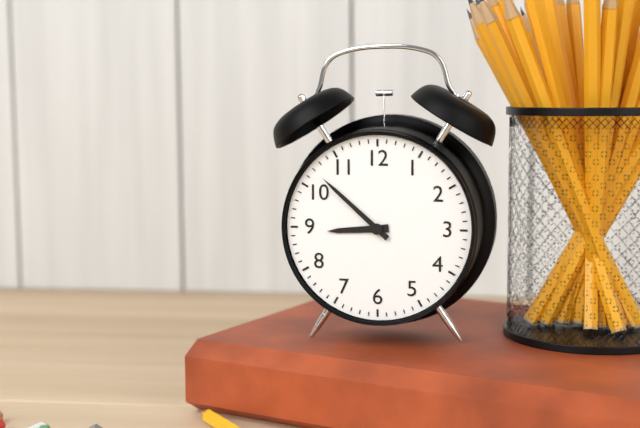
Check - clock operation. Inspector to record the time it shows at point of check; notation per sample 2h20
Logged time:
8h52
